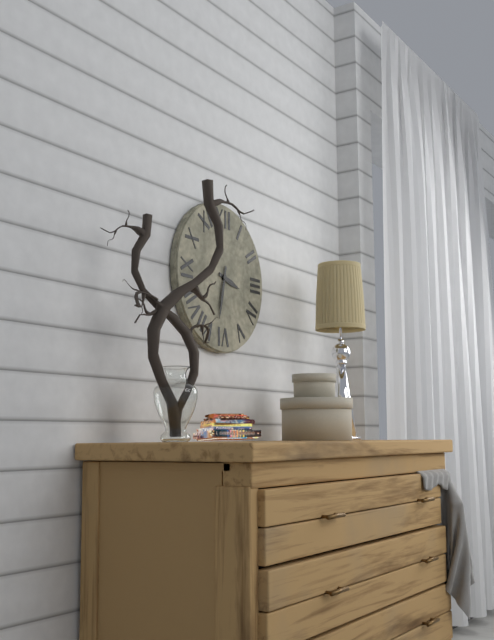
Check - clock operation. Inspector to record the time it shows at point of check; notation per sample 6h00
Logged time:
3h32
